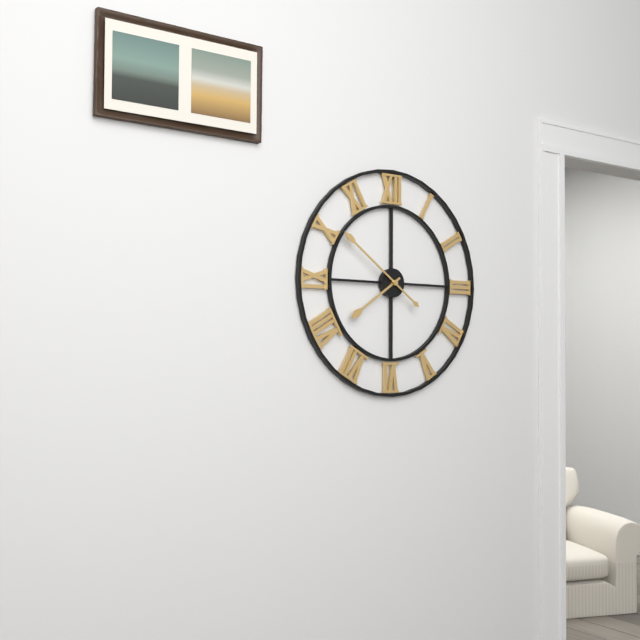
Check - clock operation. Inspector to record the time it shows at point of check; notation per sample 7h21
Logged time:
7h51
